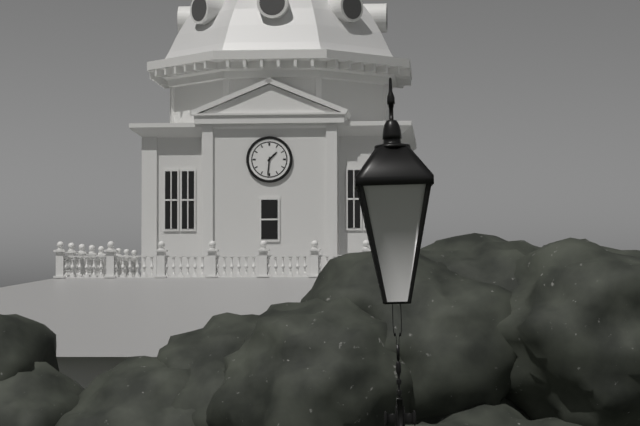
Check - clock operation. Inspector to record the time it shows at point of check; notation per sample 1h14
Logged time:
1h31
